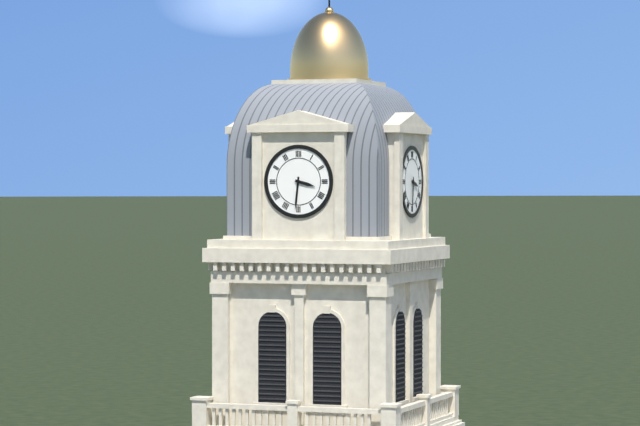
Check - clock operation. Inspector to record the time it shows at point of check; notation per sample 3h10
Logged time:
3h31
